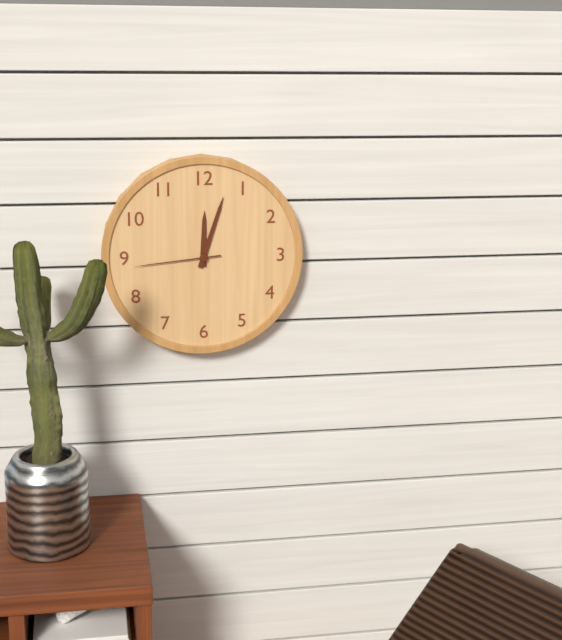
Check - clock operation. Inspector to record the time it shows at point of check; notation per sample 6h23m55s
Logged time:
12h03m44s
